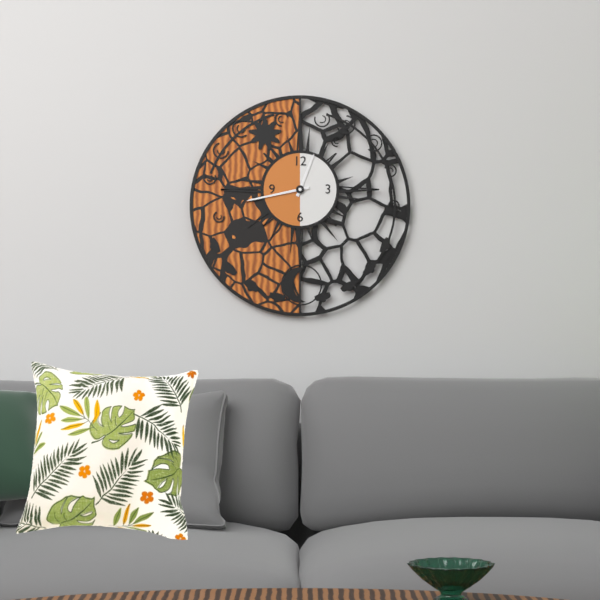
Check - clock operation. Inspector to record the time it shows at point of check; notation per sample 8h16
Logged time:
12h43
